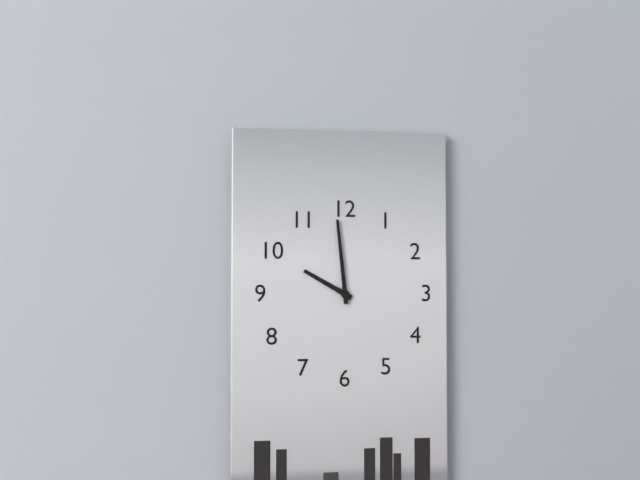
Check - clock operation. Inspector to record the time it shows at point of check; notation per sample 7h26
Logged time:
9h59
